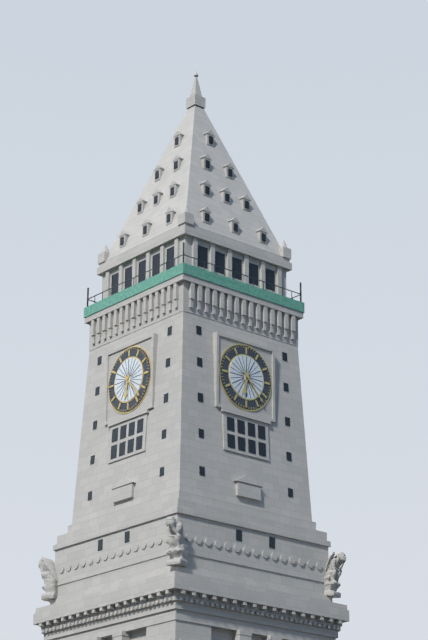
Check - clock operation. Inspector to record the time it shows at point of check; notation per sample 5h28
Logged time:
6h23
